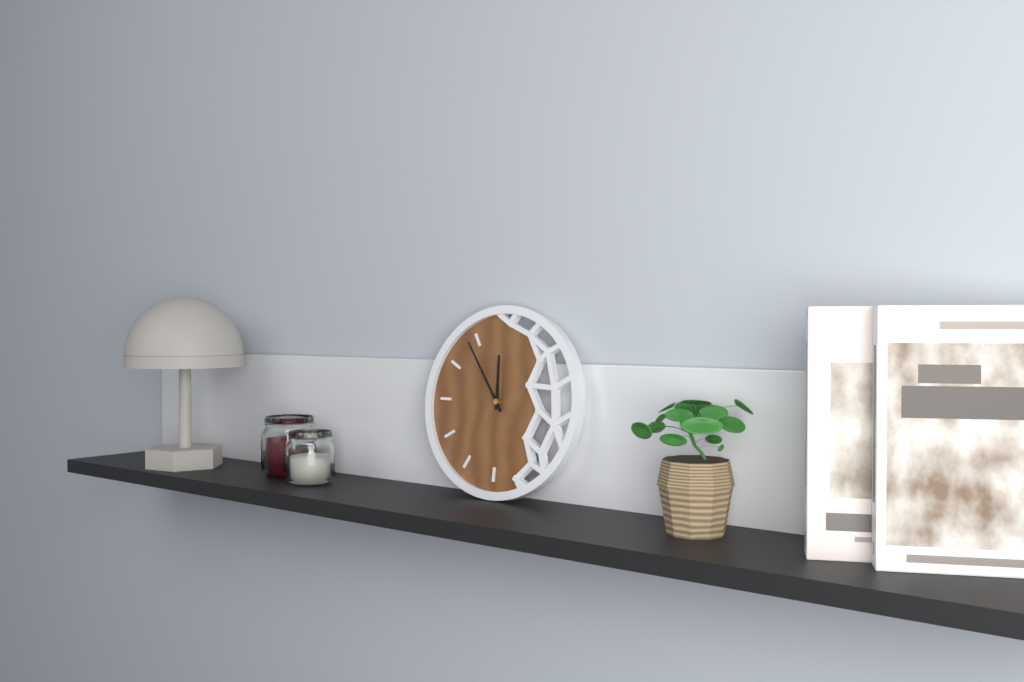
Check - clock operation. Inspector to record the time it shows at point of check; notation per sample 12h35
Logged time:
11h54
